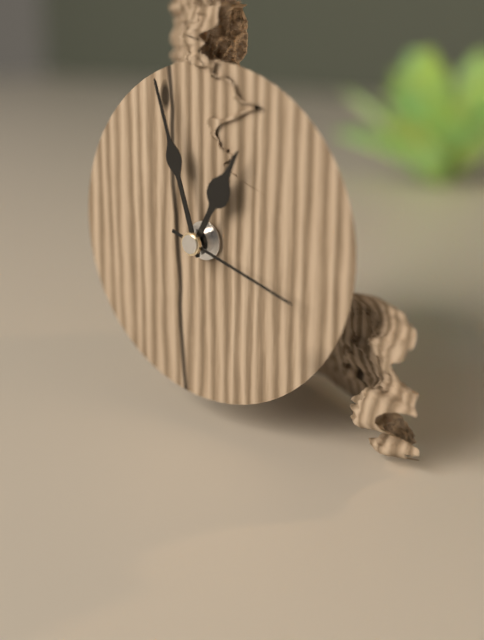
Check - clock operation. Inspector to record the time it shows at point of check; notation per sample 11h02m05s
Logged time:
12h57m18s
